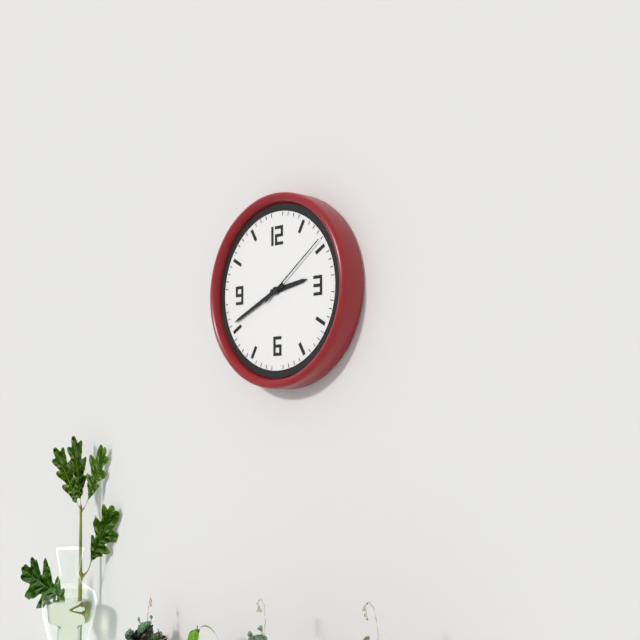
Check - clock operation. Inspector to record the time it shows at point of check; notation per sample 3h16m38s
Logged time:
2h41m09s
